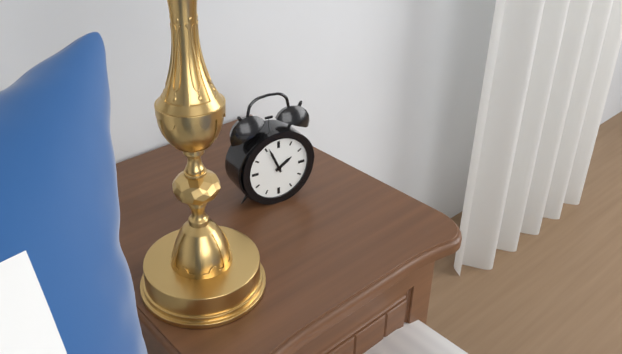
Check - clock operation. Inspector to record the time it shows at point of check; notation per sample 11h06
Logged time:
1h56
